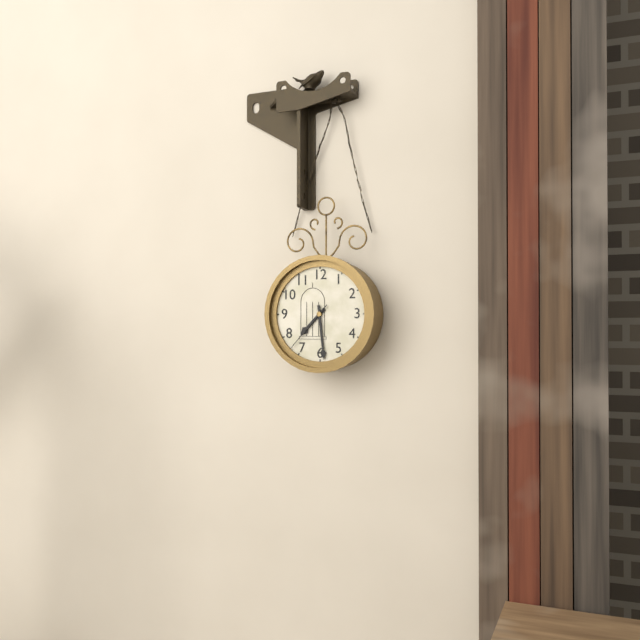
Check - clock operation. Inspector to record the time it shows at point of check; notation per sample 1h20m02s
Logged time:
7h29m37s
